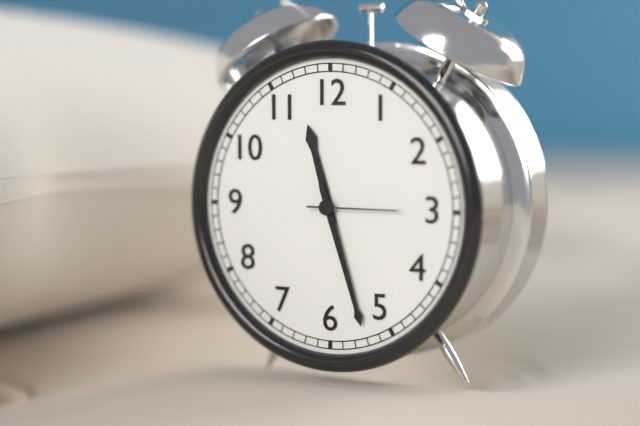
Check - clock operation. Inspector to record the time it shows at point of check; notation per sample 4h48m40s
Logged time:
11h27m15s
